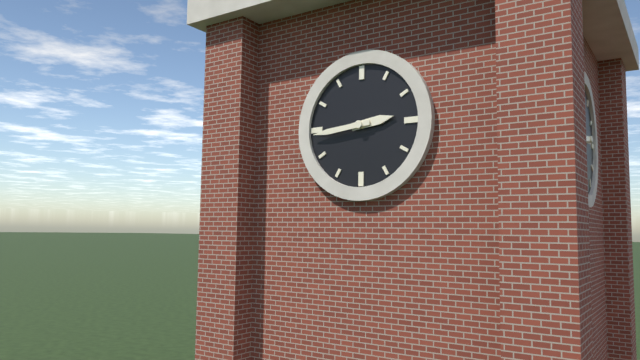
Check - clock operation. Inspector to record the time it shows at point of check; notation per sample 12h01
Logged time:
2h44
